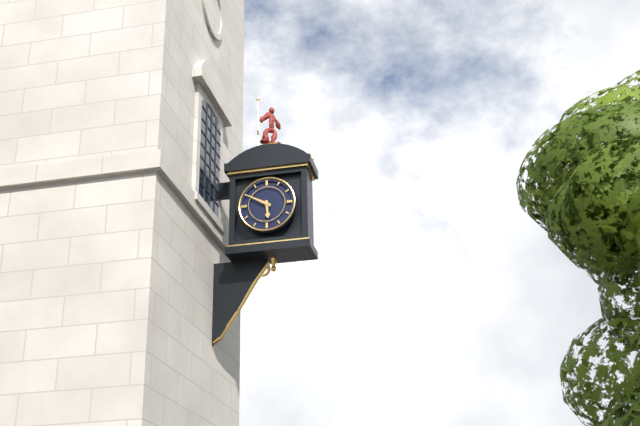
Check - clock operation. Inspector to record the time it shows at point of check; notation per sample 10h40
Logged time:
5h50
